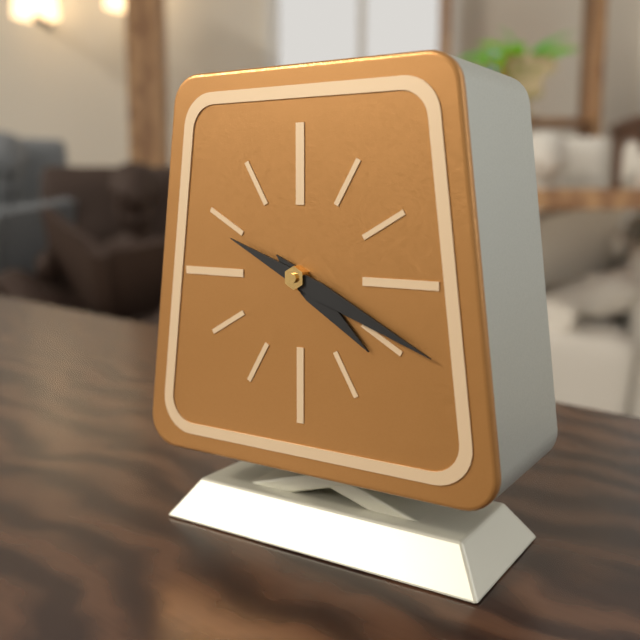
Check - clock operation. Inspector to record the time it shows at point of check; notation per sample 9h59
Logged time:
4h19
